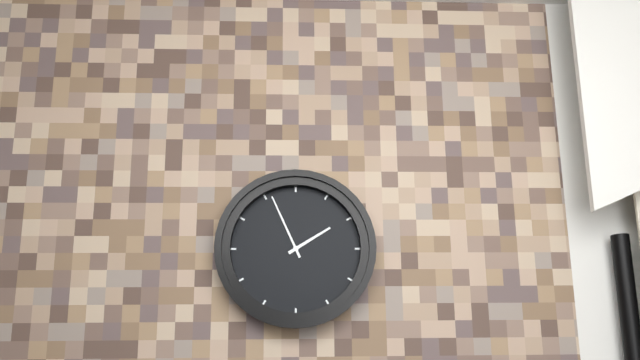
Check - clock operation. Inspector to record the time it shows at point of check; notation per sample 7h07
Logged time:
1h56
